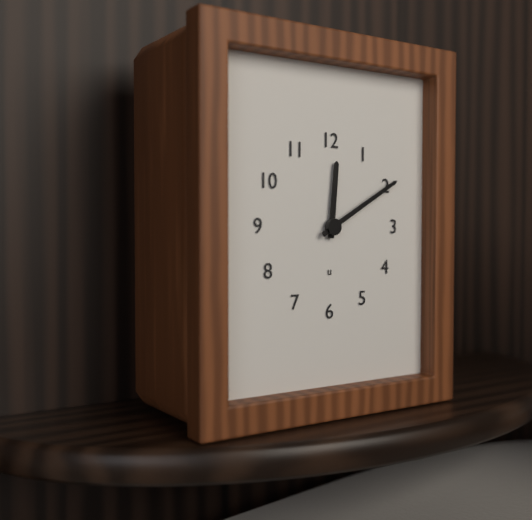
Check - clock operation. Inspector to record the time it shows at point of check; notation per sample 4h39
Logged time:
12h10
